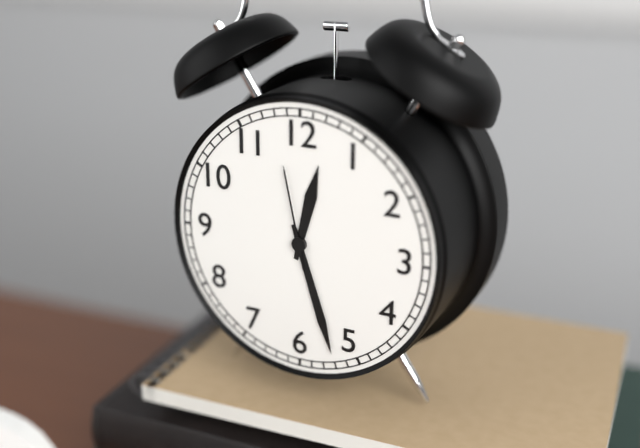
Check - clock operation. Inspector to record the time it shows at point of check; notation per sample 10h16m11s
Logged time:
12h27m58s
